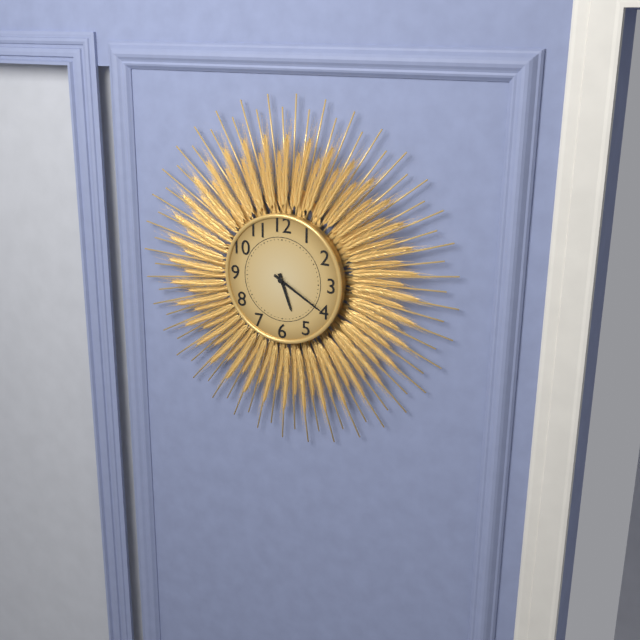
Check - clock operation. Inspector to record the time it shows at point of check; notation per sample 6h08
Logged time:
5h20
